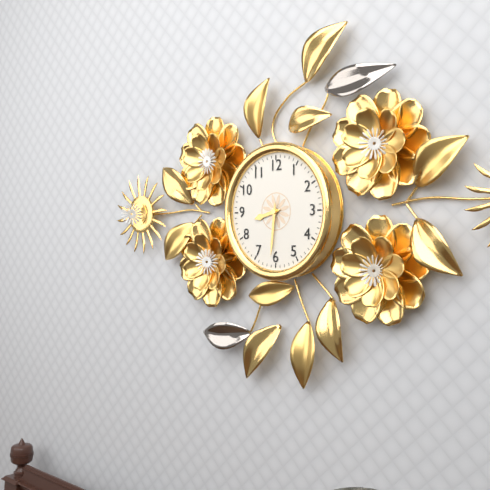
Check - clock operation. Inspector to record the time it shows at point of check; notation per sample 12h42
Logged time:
8h31
